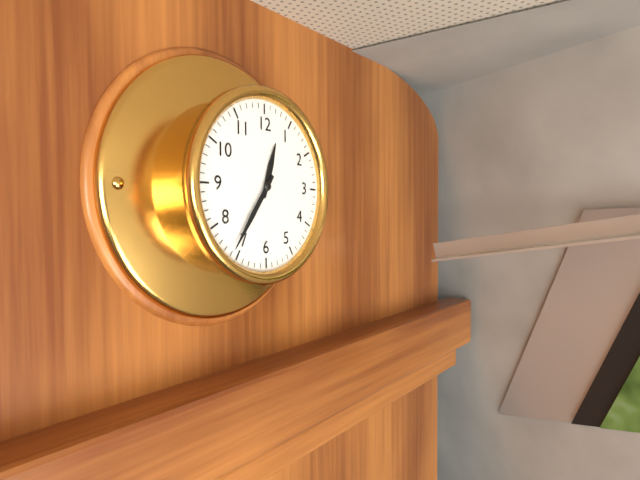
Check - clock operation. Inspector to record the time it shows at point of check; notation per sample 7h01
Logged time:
12h36
